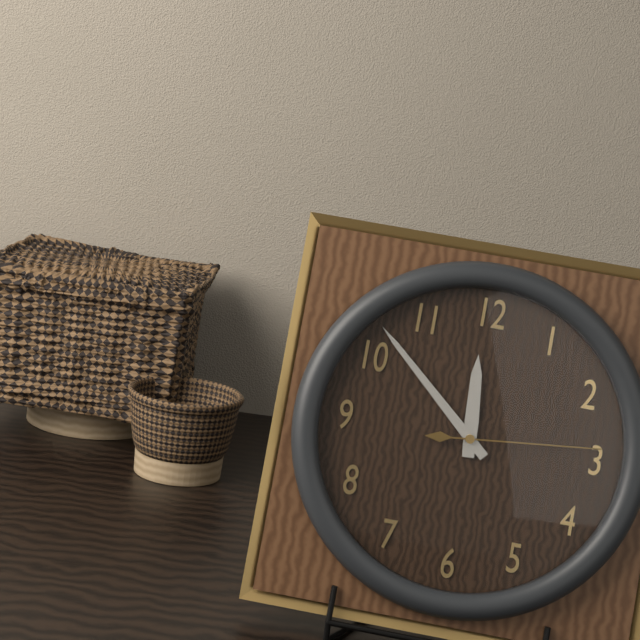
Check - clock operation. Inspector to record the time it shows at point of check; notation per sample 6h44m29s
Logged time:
11h52m14s
